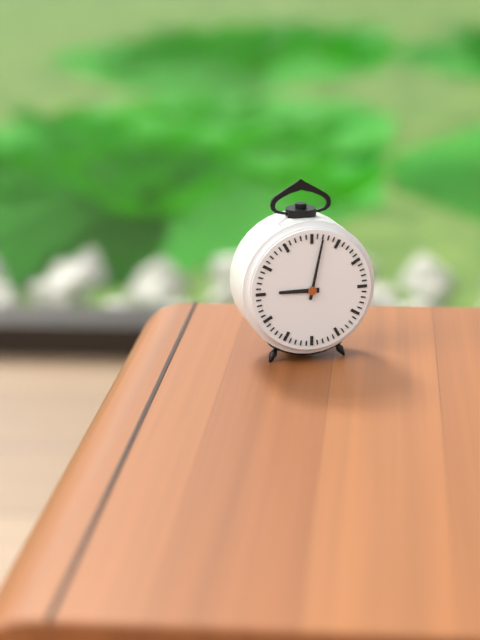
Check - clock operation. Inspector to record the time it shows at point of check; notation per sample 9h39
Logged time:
9h02
